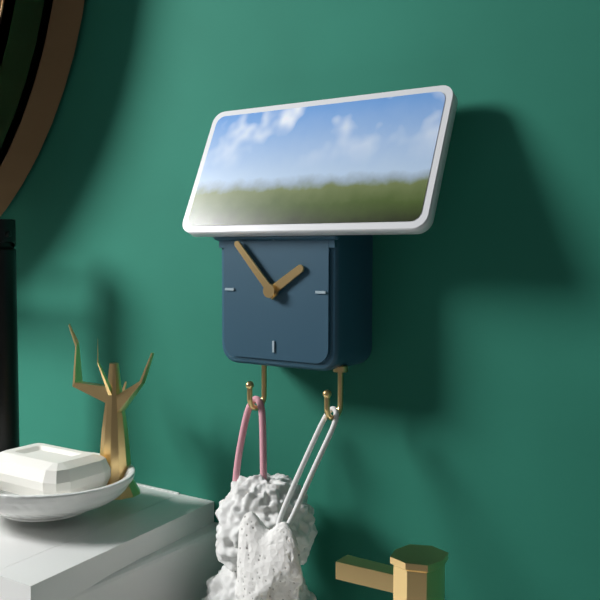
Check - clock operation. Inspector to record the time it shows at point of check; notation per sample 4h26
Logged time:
1h53
